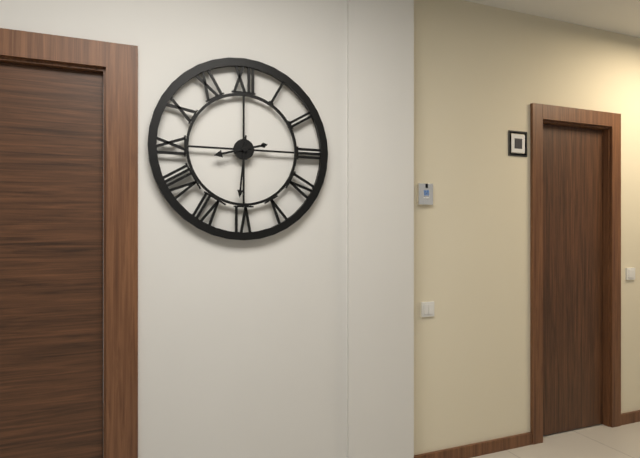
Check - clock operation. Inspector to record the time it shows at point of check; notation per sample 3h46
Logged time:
8h31
